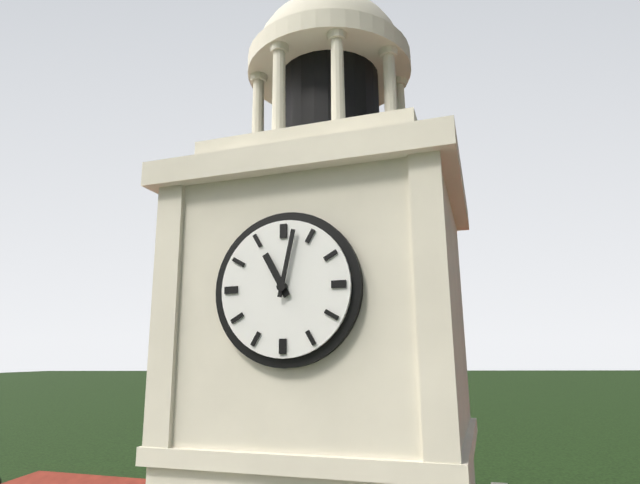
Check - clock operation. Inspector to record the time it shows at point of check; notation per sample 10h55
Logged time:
11h02
